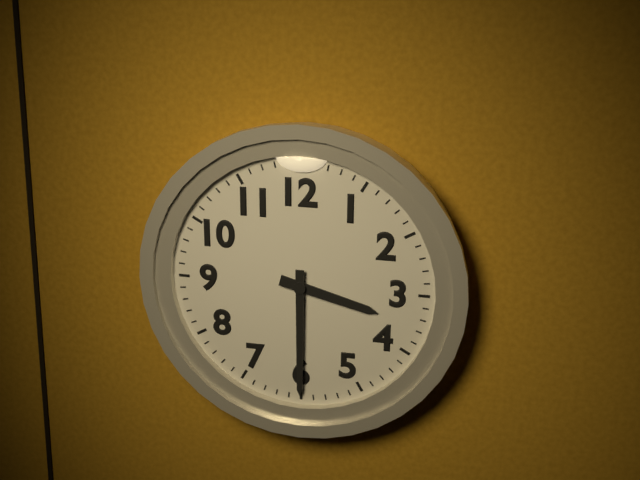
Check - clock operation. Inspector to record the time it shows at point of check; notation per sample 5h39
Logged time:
3h30
